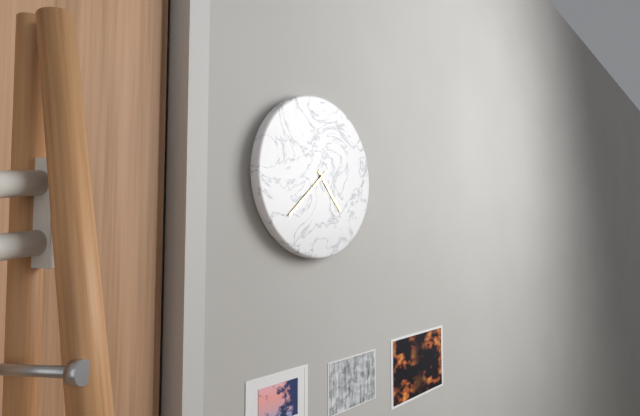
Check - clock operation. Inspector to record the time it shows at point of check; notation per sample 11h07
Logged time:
4h38
